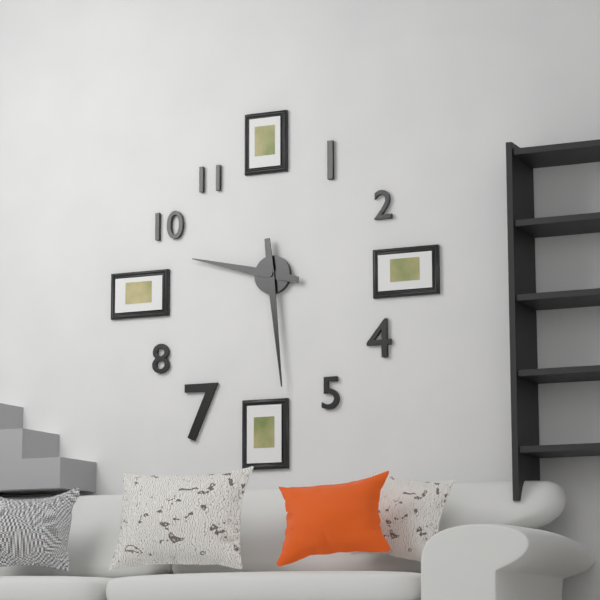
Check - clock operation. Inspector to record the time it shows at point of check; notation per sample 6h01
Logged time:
9h29
